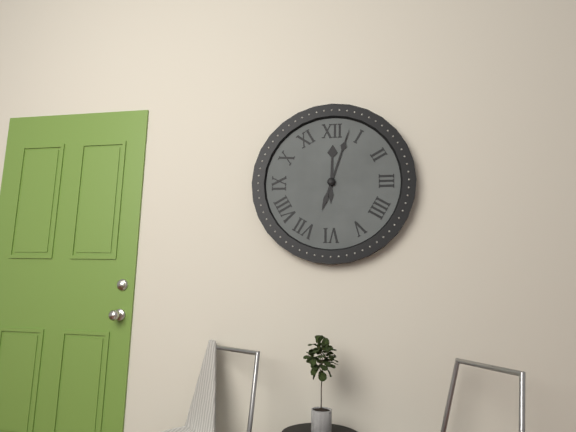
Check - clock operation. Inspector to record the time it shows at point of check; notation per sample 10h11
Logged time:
12h03
